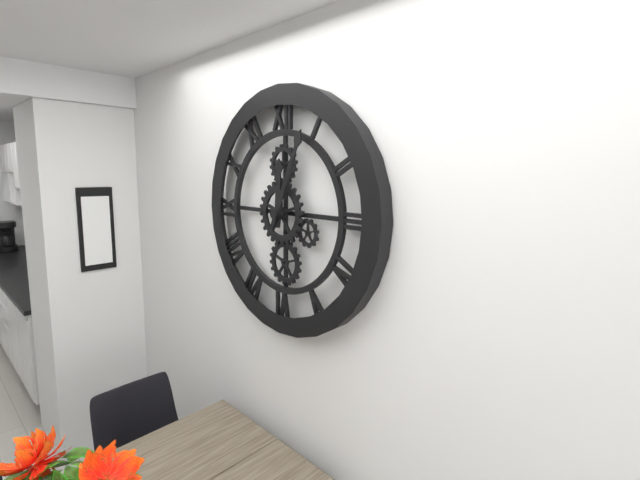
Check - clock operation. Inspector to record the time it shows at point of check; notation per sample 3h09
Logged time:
12h04
